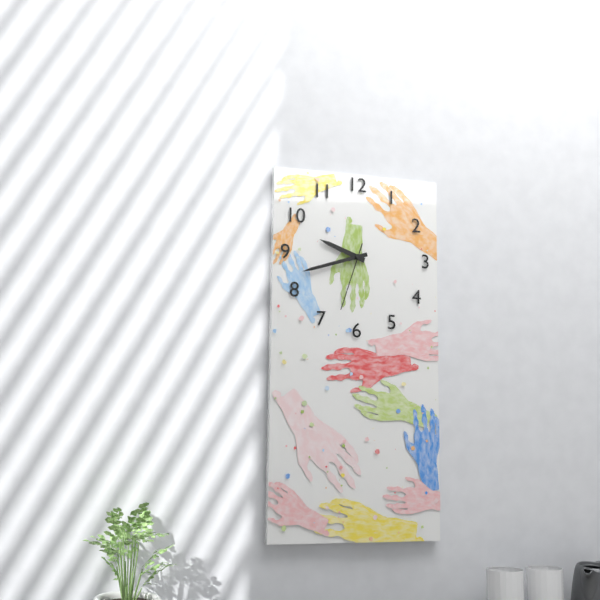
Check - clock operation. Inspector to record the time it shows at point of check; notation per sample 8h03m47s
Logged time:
9h42m33s
